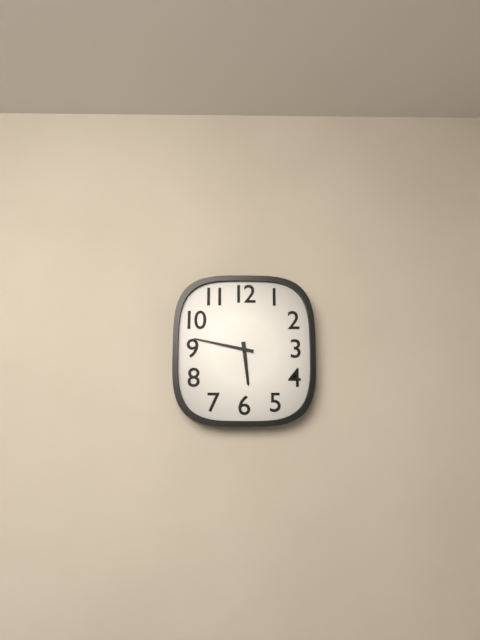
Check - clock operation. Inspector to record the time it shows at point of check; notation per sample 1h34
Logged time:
5h47
